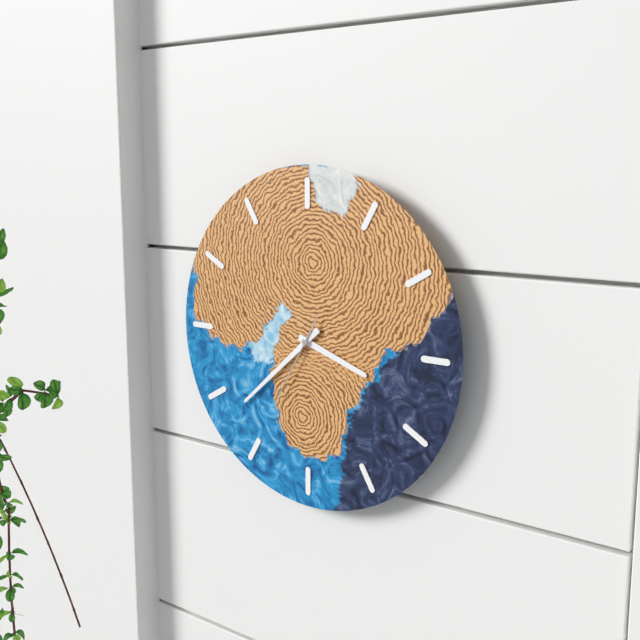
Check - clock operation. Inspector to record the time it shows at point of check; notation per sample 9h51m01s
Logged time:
3h38m35s
